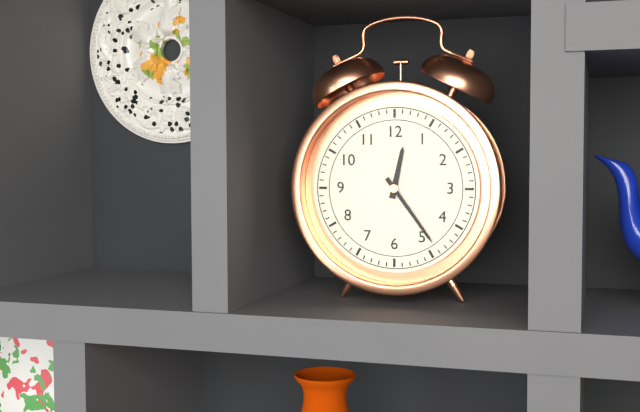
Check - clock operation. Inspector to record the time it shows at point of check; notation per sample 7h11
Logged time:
12h24
